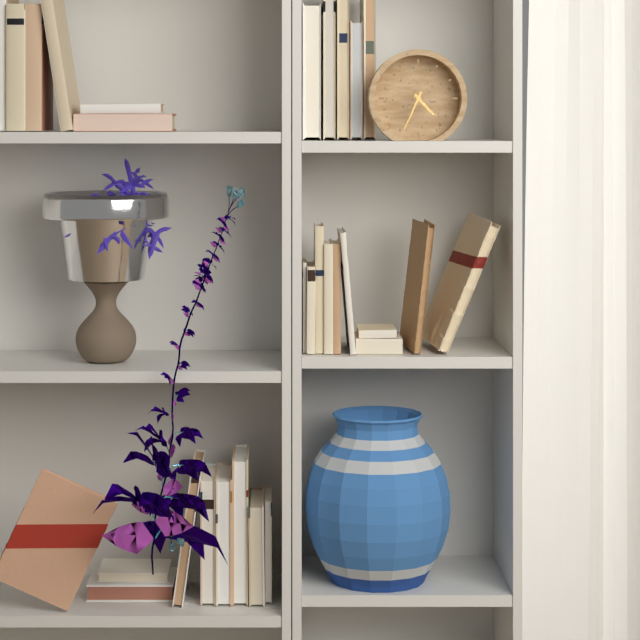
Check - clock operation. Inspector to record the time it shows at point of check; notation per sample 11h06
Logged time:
4h34
